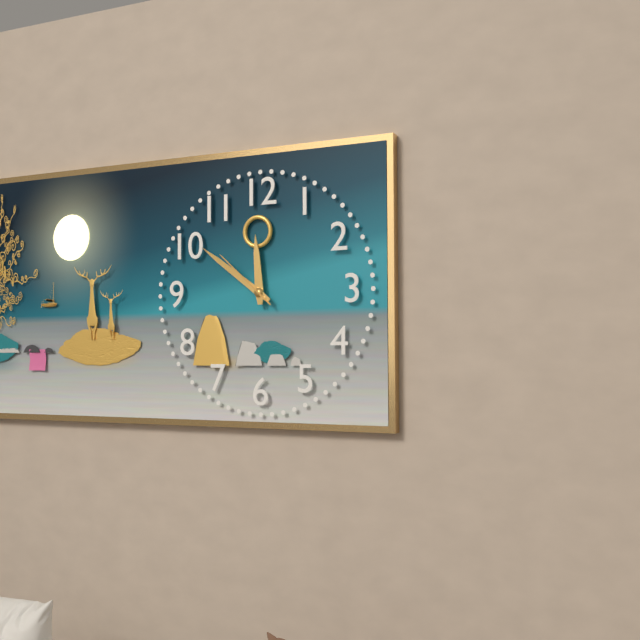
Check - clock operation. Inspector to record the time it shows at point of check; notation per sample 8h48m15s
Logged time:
11h51m52s
